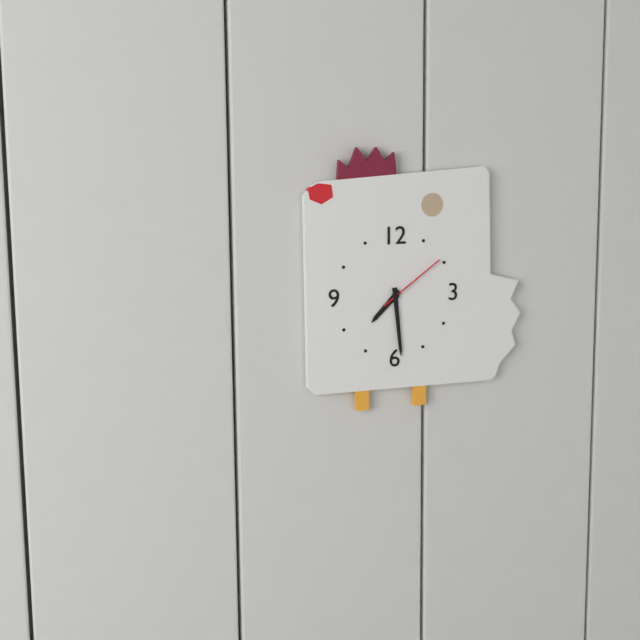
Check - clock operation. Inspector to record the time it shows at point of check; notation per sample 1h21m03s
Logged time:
7h29m09s
